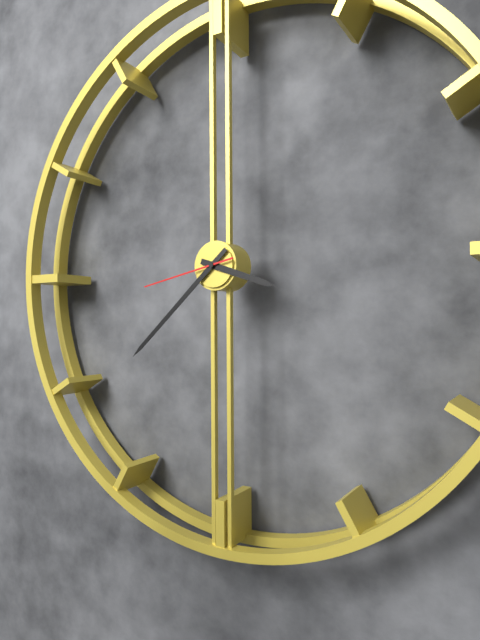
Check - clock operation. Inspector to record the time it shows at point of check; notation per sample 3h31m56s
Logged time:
3h38m43s
